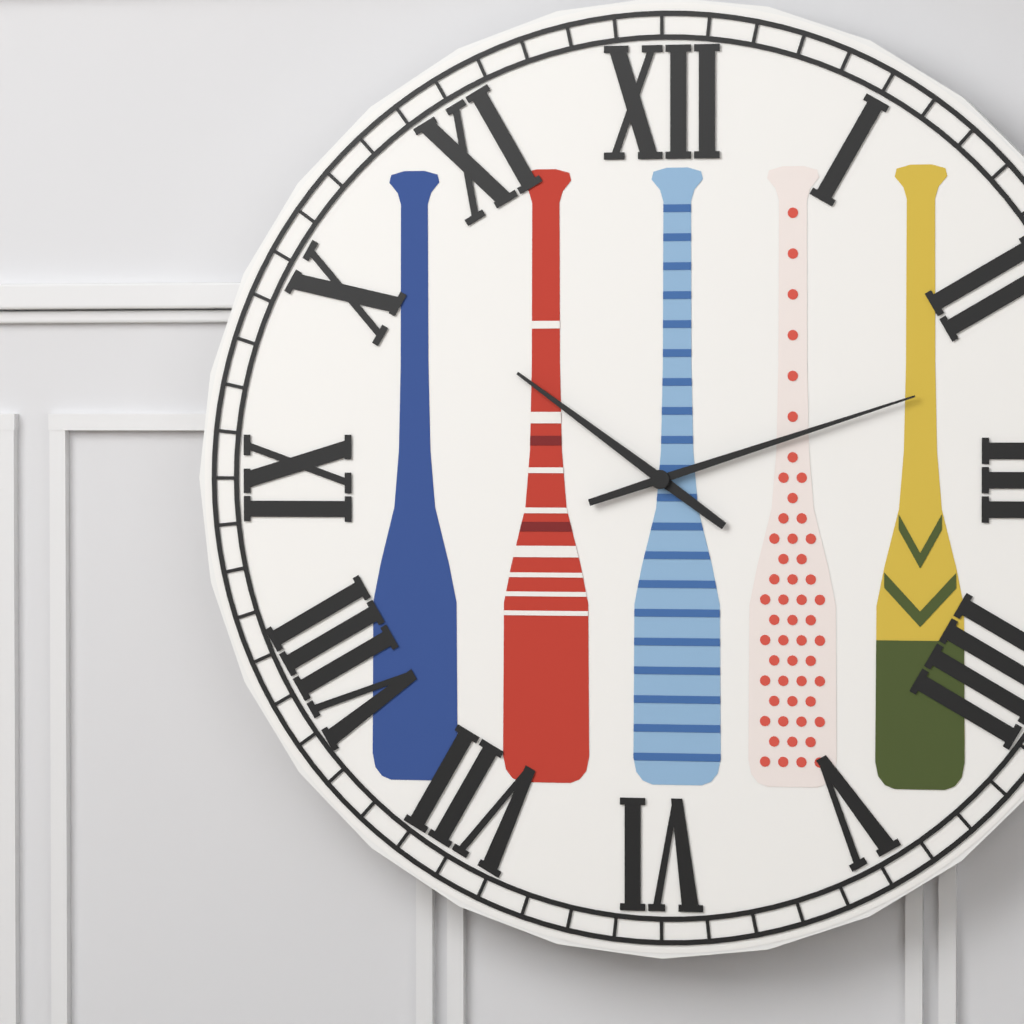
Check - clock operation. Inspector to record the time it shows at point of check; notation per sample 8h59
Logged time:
10h12
